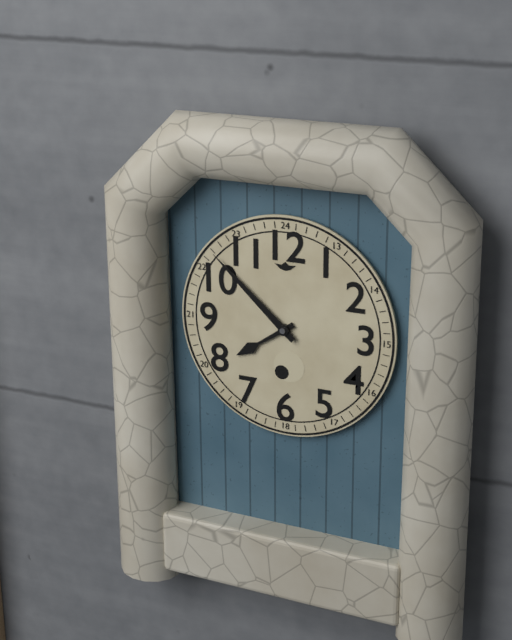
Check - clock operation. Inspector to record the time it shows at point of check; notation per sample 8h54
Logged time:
7h52
